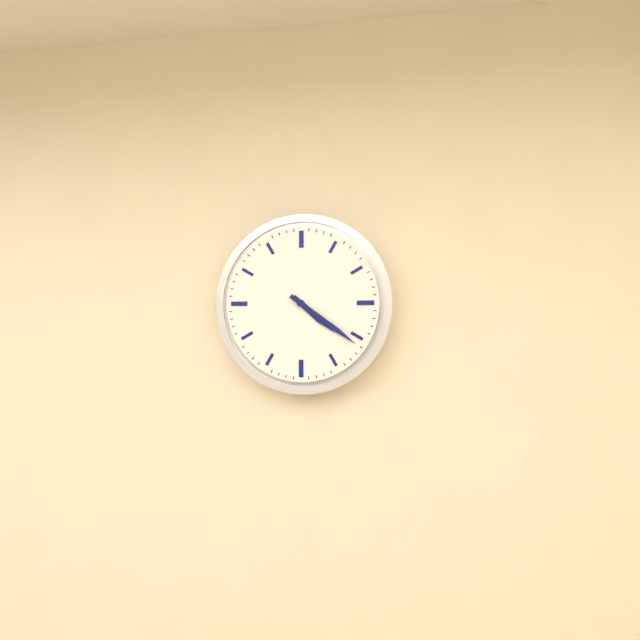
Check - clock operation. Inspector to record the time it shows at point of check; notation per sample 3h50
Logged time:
4h21
